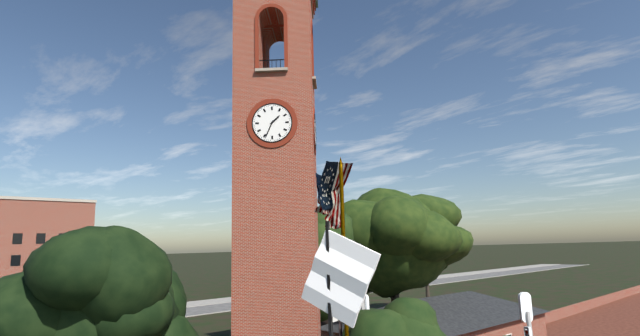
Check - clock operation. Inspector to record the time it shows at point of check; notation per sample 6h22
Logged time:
1h34
